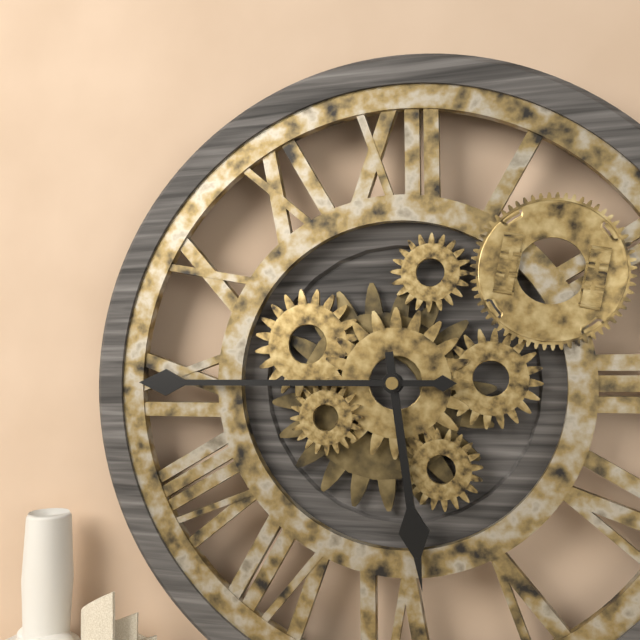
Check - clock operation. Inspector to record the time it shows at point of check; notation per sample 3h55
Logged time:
5h45
